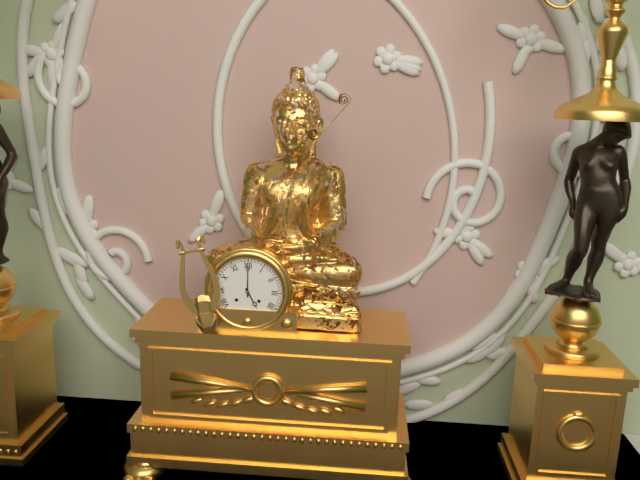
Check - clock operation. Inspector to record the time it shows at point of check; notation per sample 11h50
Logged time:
5h00
